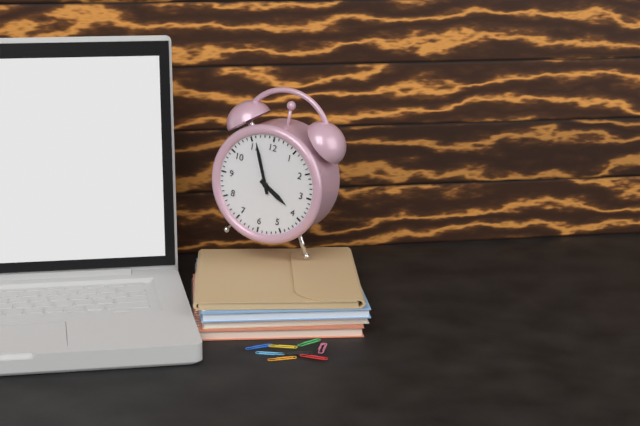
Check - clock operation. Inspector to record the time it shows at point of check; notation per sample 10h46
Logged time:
3h56
